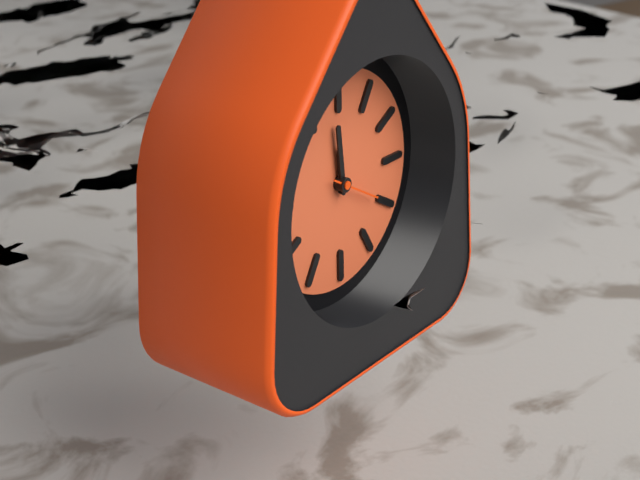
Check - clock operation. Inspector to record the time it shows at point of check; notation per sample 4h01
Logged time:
11h59
